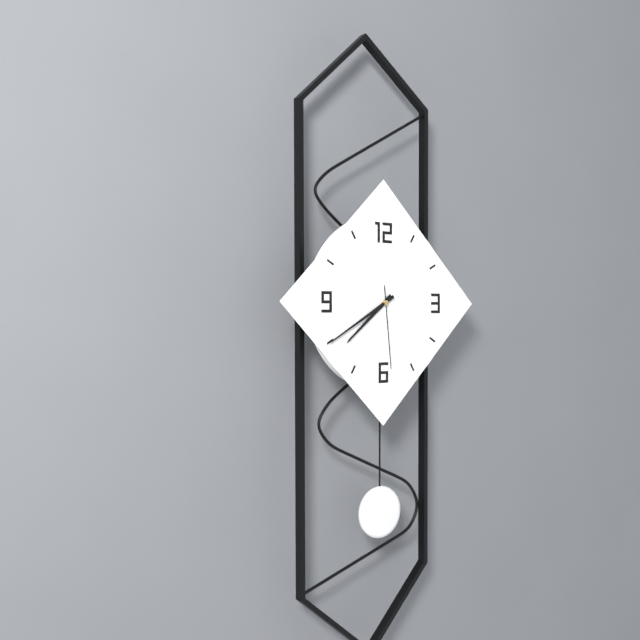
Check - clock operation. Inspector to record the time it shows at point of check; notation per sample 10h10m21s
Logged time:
7h40m29s
